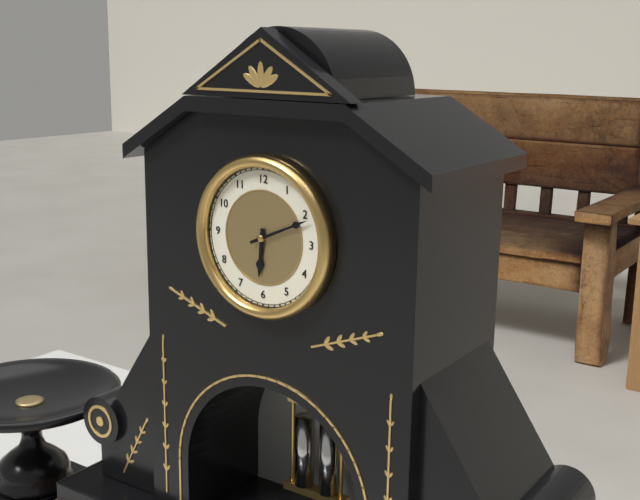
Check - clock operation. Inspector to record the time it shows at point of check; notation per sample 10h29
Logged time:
6h11
